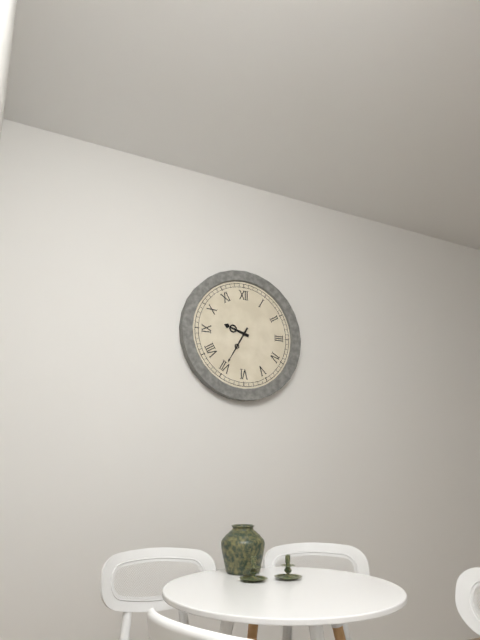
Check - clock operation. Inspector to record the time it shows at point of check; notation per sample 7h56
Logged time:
9h35
